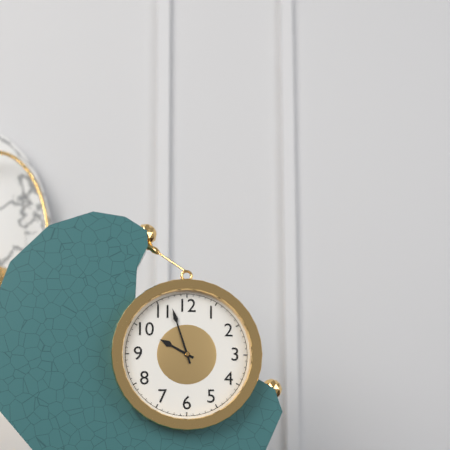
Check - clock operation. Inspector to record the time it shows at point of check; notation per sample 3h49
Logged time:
9h57
